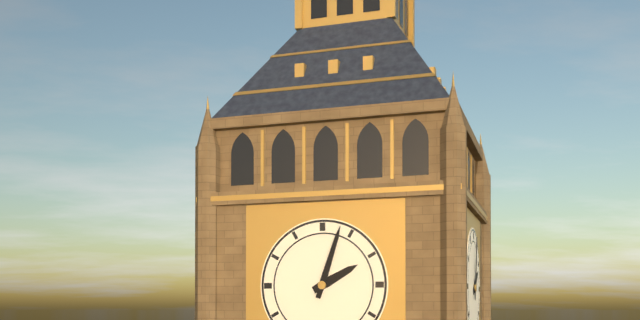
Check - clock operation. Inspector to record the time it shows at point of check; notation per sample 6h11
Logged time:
2h03
